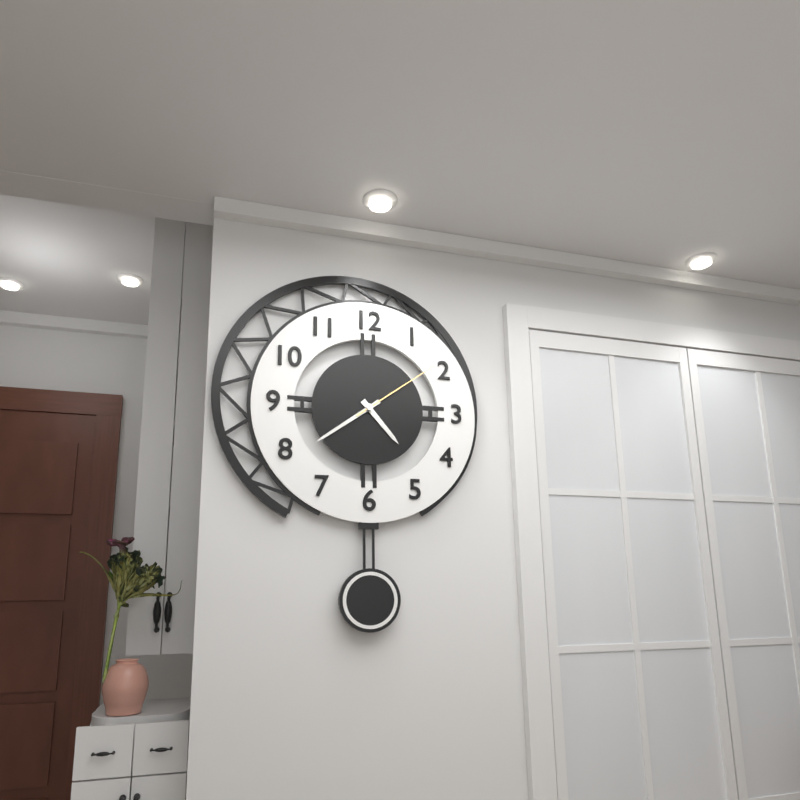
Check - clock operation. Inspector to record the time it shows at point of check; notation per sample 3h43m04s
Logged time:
4h39m09s
